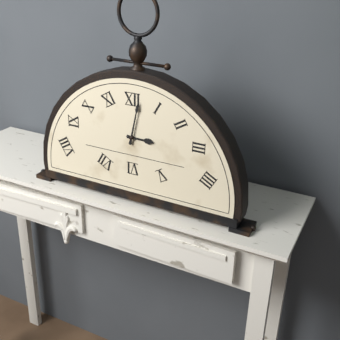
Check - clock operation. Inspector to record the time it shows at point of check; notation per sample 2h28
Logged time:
3h02
